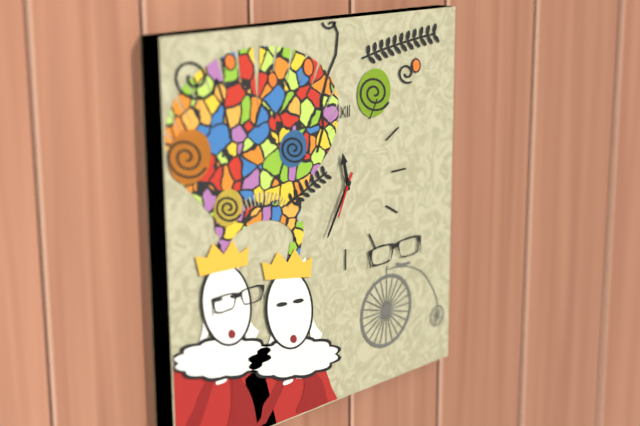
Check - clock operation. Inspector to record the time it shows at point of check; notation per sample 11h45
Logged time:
11h35
